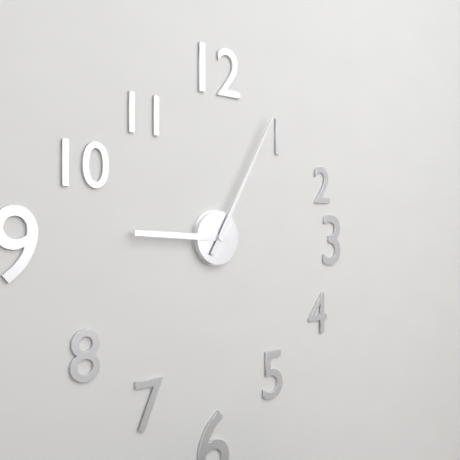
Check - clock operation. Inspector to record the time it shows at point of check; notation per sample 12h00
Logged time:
9h05
